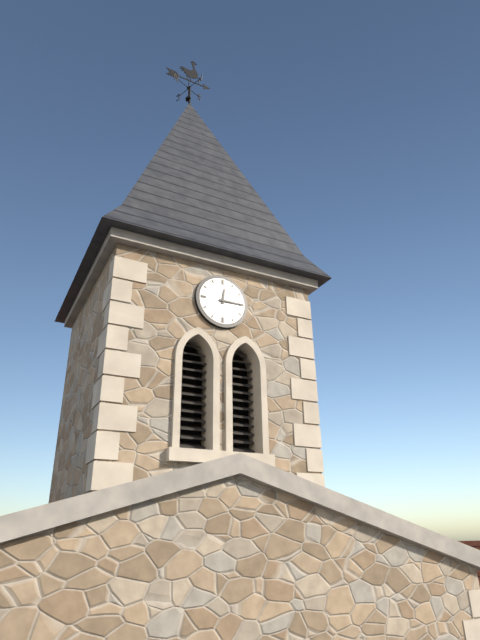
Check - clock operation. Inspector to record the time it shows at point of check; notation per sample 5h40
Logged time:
12h15
